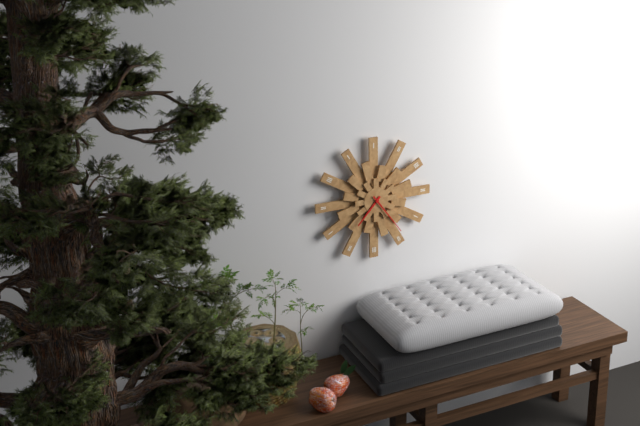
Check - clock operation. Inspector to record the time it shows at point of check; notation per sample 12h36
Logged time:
7h24
